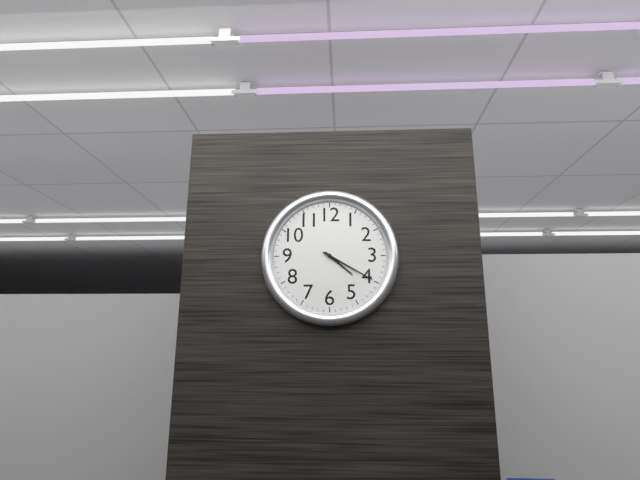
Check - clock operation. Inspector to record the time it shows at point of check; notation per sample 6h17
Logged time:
4h20
